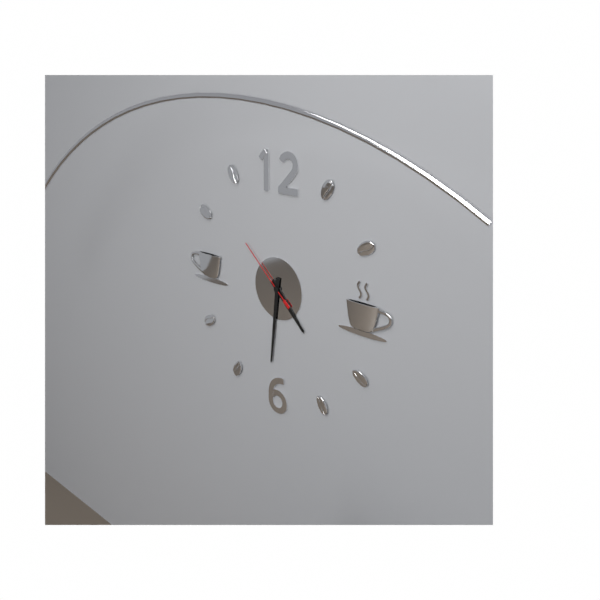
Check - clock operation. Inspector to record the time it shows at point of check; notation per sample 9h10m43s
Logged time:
4h31m52s
